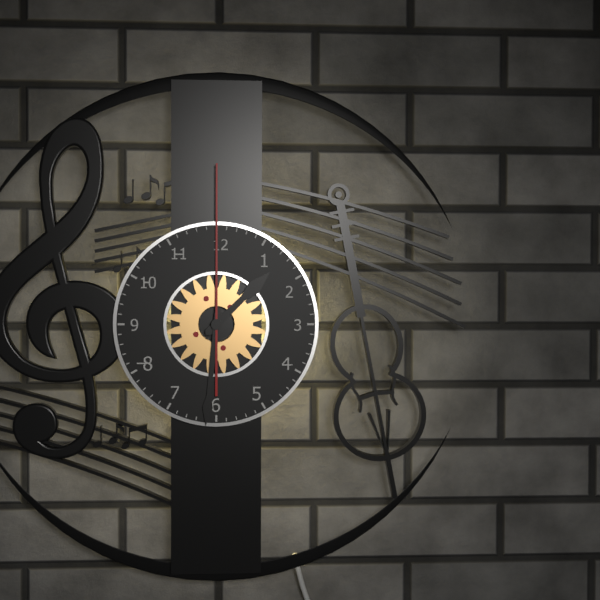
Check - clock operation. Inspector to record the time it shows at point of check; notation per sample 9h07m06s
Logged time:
1h31m00s
